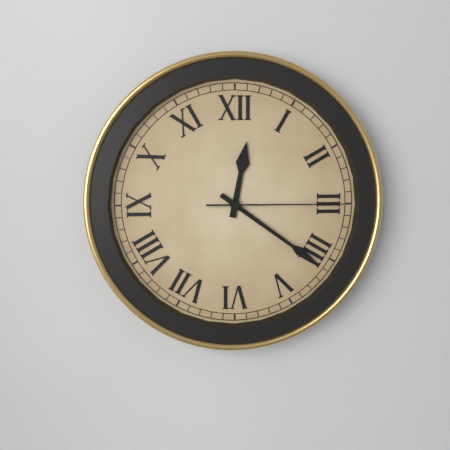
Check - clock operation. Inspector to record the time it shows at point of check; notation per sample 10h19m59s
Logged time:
12h21m15s
